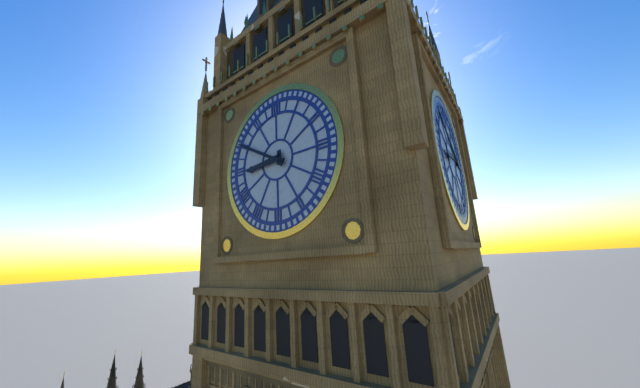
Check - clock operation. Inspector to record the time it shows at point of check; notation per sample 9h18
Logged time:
8h50
